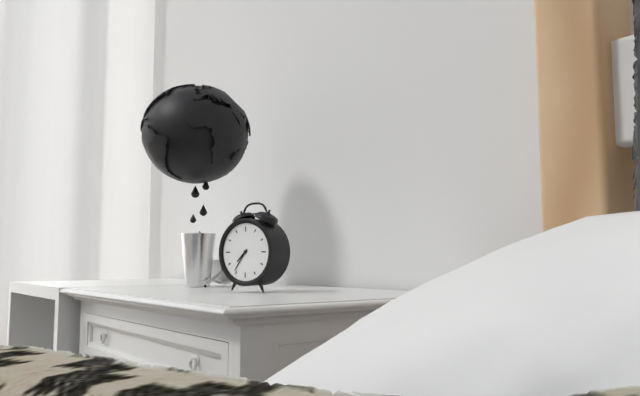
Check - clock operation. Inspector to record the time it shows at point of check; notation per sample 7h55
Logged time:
7h36
